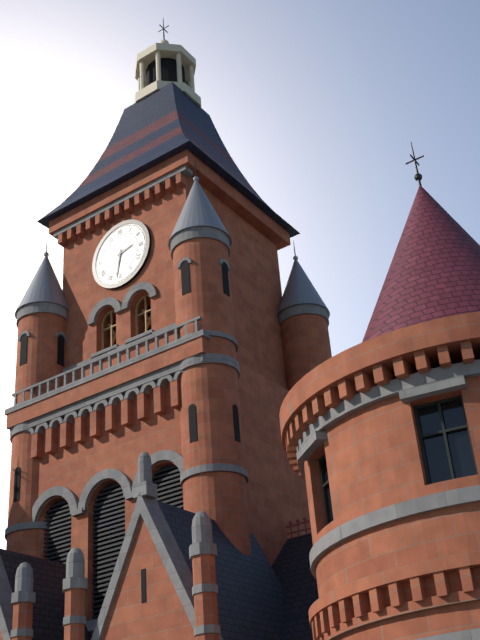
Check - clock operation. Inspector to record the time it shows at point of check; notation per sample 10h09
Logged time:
2h32
